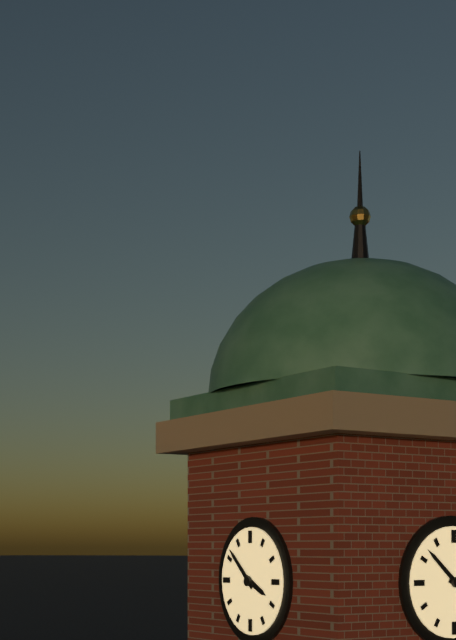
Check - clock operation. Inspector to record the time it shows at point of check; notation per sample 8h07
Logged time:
3h52
